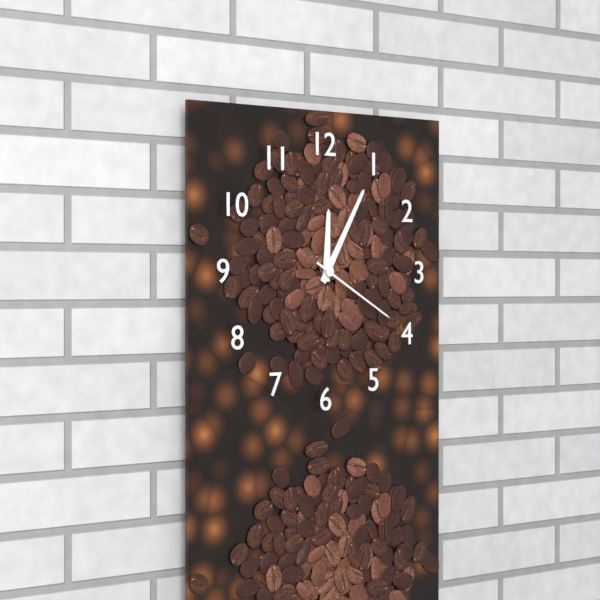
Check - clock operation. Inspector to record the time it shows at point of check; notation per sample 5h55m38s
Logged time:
12h05m20s
